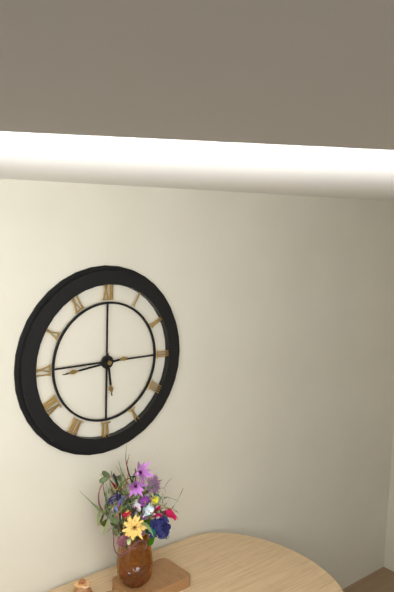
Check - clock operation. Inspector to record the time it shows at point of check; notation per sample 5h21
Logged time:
5h44
